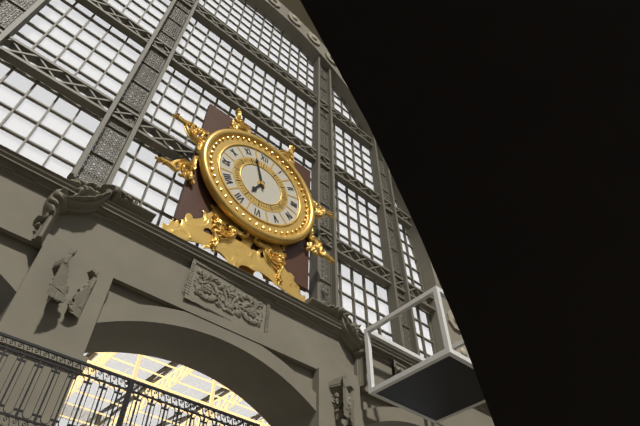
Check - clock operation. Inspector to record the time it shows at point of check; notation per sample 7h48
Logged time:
6h57
